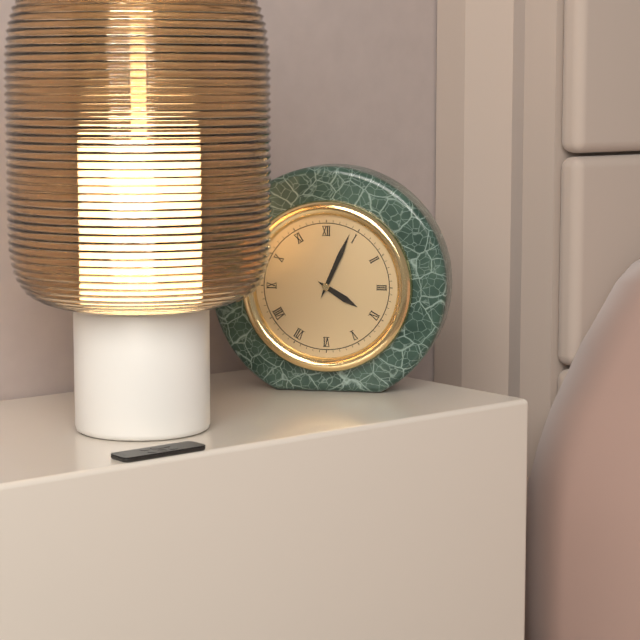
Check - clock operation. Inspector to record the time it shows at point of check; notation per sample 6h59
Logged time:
4h04
